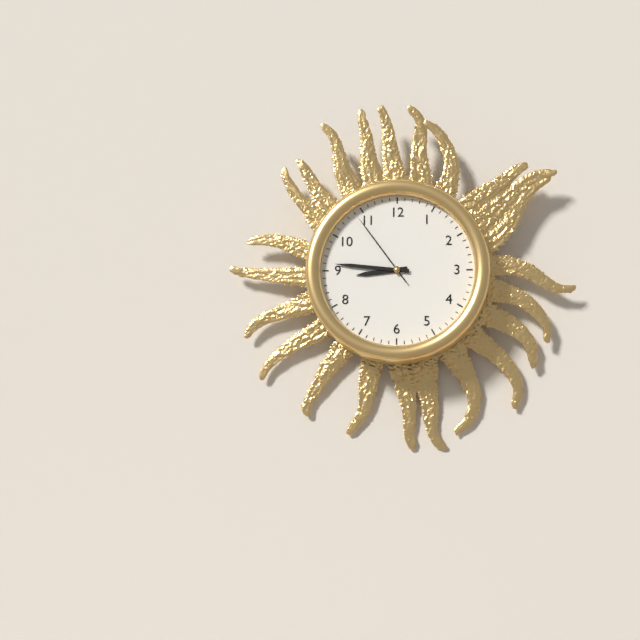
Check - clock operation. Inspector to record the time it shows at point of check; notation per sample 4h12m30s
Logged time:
8h46m54s
